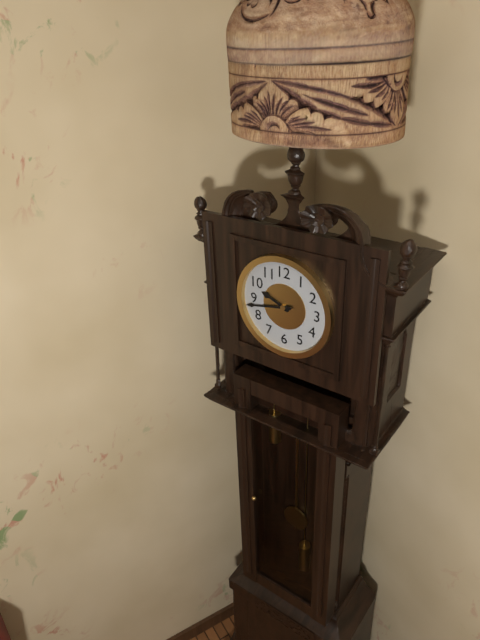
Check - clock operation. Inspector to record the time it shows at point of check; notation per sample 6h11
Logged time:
9h43
